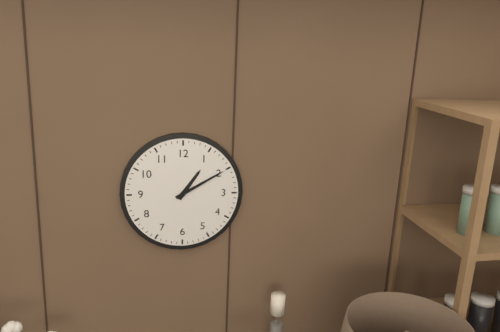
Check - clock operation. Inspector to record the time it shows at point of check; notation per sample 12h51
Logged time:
1h10
